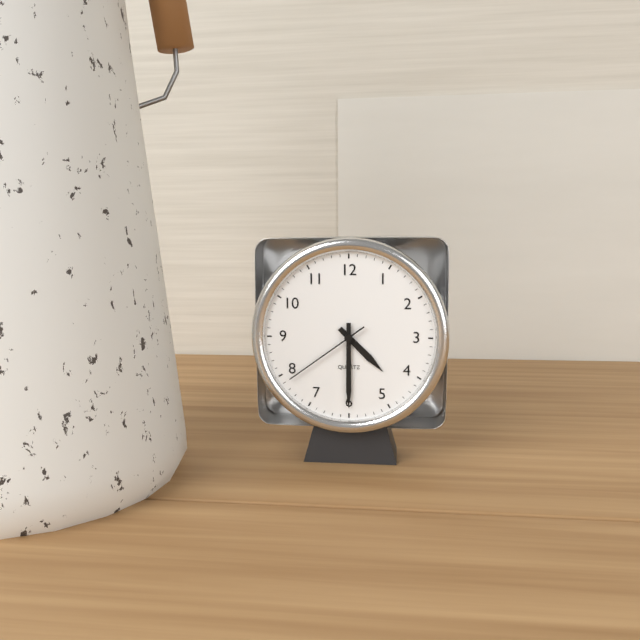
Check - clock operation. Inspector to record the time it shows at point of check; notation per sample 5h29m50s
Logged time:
4h30m39s
